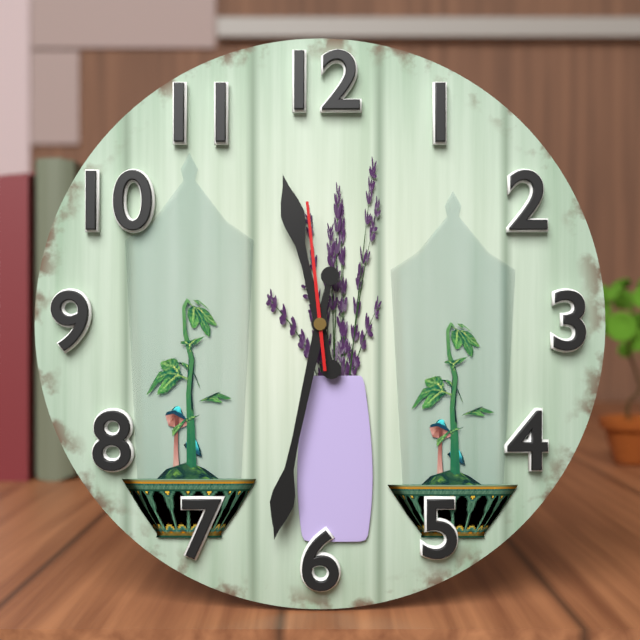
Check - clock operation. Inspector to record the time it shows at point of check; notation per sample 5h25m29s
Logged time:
11h32m59s
